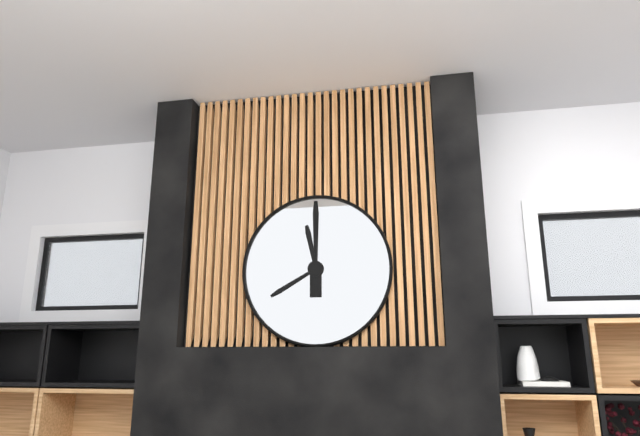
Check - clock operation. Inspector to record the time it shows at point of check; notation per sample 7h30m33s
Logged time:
8h00m58s
